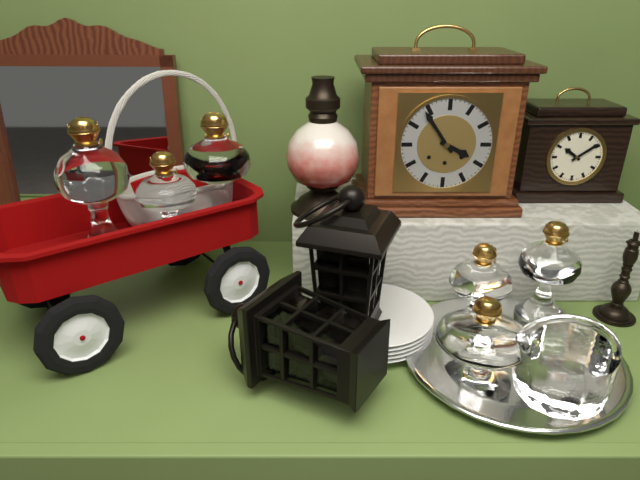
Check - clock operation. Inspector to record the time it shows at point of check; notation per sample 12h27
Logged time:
3h54
